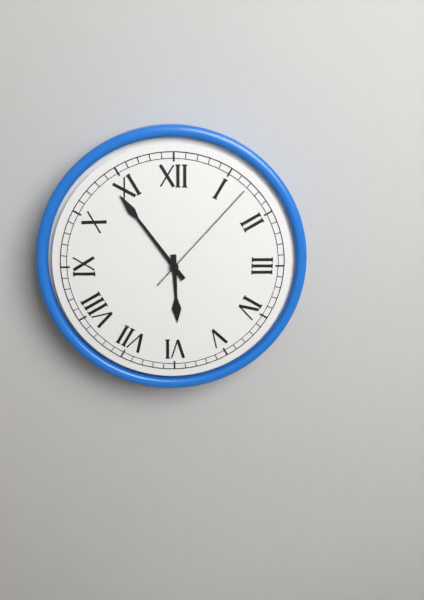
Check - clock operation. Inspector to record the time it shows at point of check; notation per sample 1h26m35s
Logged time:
5h54m07s
